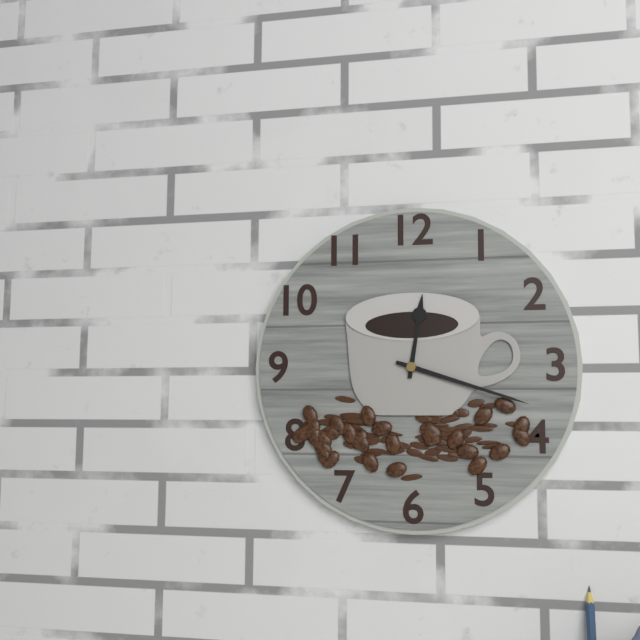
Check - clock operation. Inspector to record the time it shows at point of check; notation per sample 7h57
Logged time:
12h18
